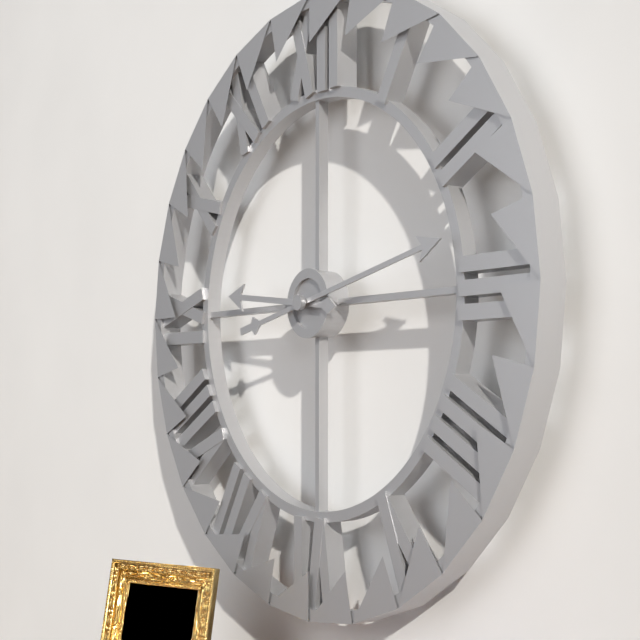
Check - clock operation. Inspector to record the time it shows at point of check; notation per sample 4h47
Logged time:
9h13
